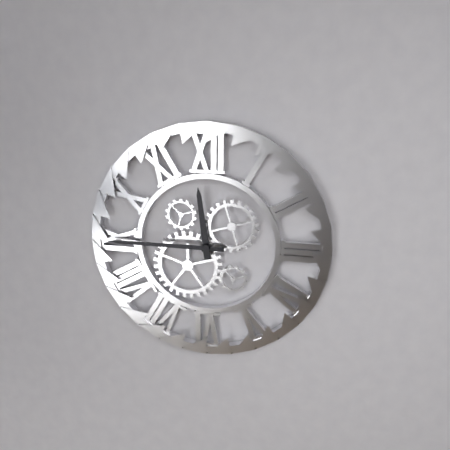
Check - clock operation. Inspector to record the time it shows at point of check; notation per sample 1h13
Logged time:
11h45
